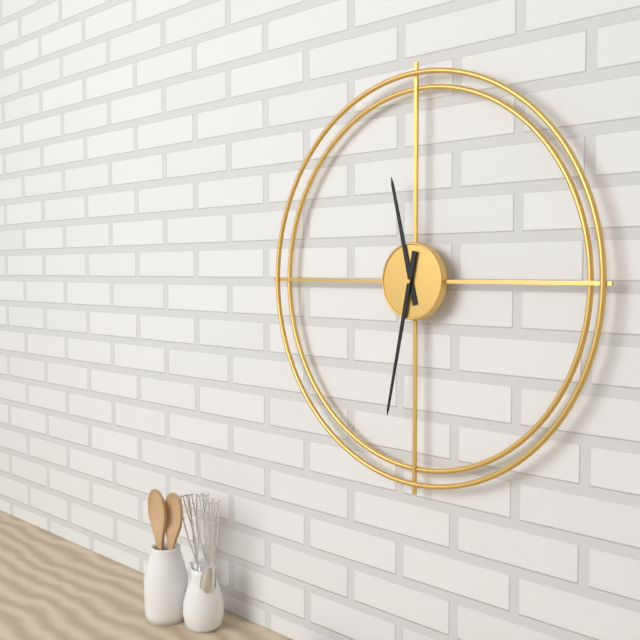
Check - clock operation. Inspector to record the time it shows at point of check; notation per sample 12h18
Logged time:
11h32
